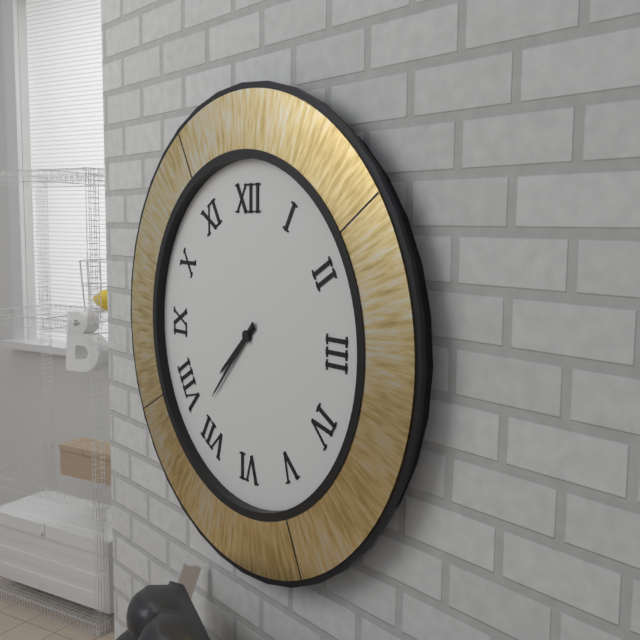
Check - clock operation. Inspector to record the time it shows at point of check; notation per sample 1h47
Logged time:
7h37
